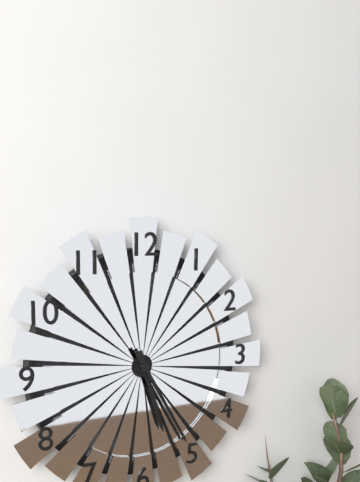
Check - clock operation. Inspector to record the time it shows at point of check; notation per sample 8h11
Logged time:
5h25
